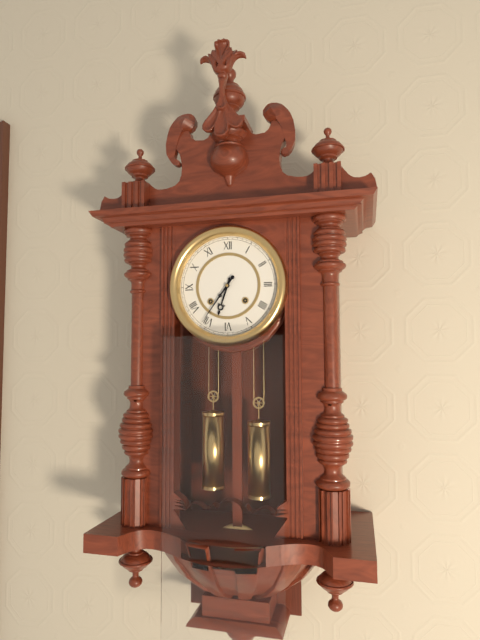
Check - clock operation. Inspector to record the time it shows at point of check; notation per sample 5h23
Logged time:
6h36
